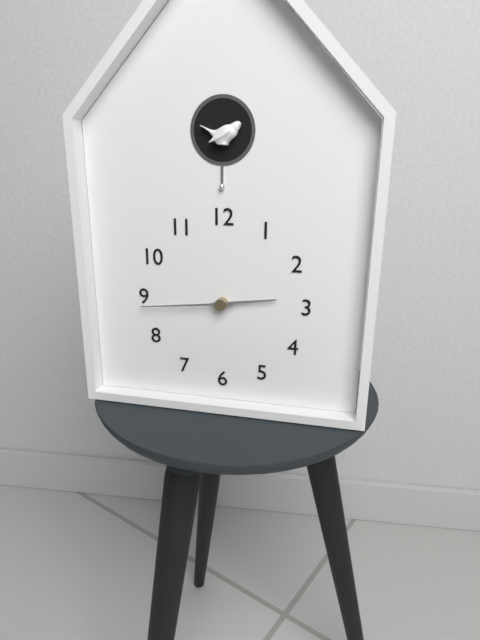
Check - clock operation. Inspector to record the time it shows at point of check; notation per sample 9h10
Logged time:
2h44
